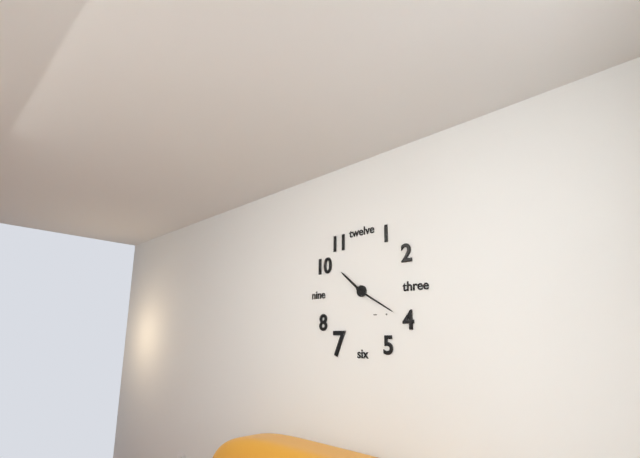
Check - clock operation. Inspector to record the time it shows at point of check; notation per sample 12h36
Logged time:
10h20
